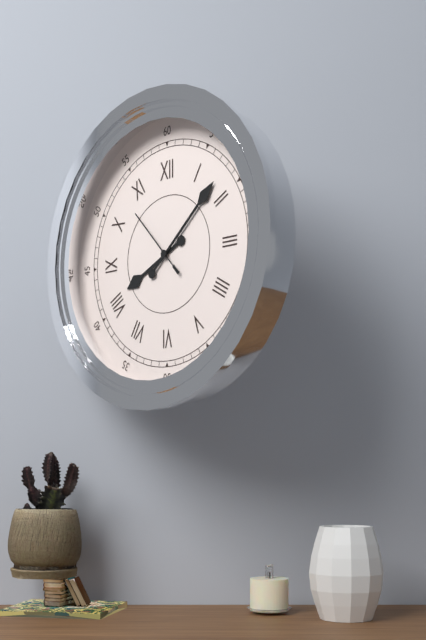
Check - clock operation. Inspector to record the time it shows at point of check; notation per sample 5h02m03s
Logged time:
8h08m53s
